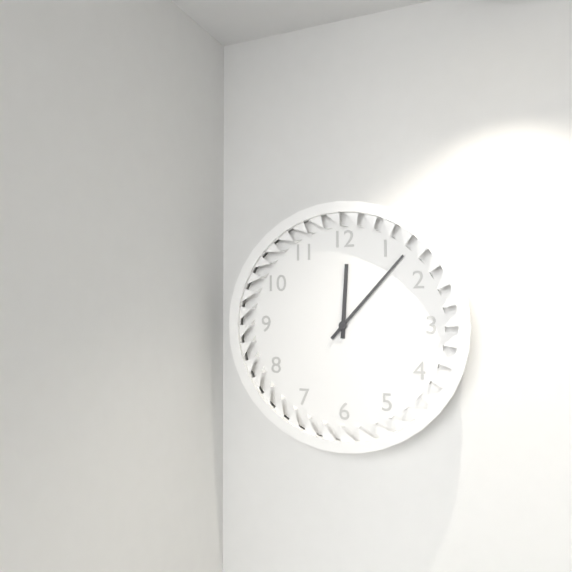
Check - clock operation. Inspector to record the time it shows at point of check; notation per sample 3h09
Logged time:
12h07
